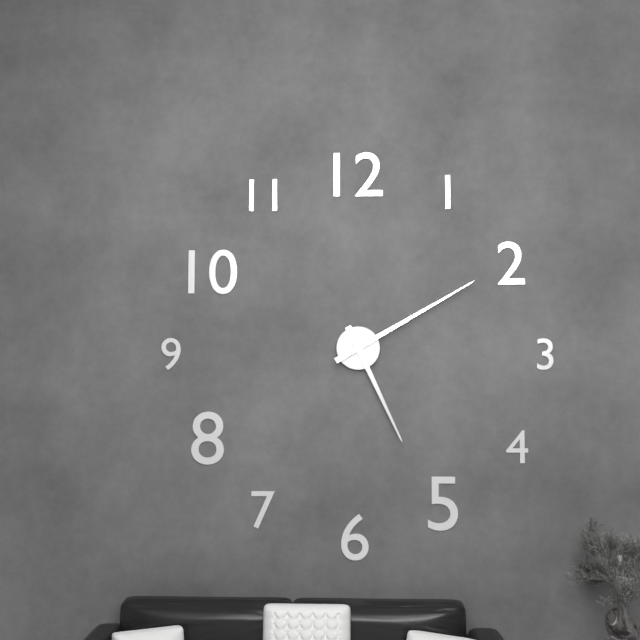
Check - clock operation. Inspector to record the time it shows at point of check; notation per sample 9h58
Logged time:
5h10
